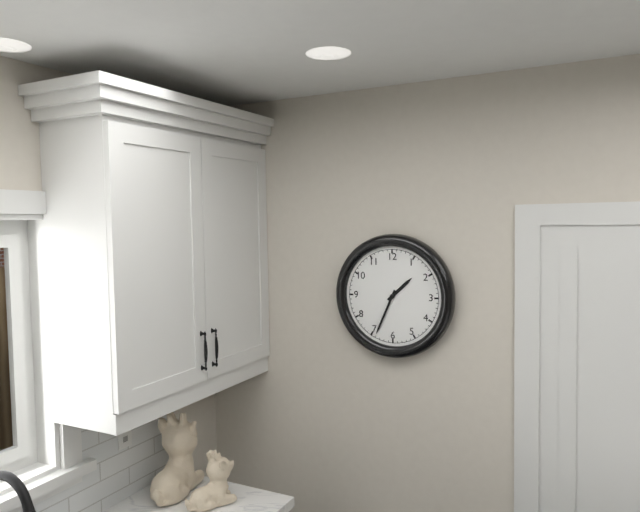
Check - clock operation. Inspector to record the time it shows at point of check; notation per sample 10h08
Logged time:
1h34
